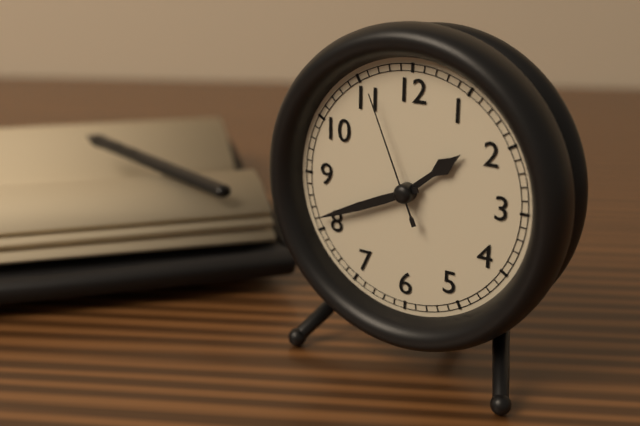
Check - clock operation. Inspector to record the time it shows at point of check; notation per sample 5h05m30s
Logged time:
1h41m56s
